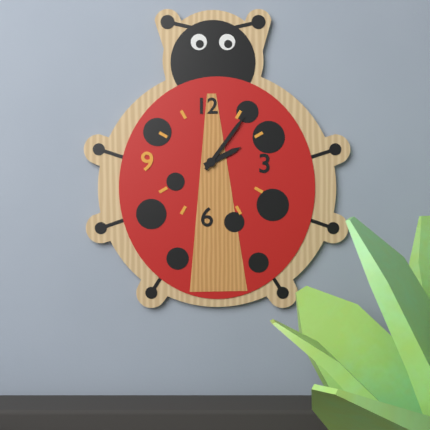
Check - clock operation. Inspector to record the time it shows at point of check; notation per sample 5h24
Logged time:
2h06
